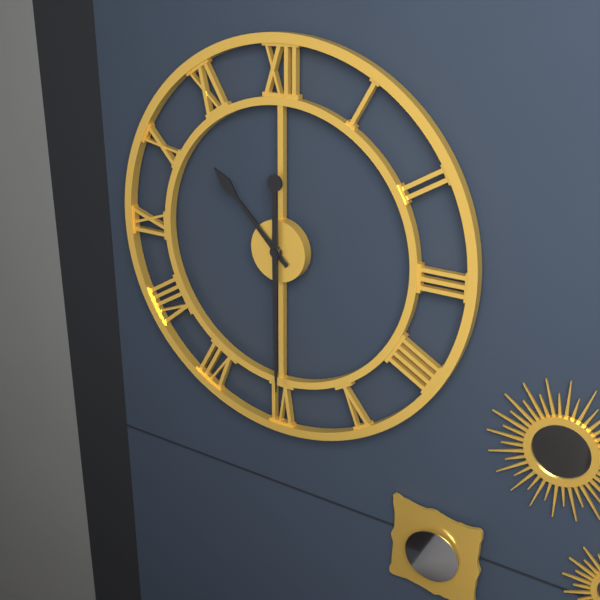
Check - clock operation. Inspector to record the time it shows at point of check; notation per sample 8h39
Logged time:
10h30
